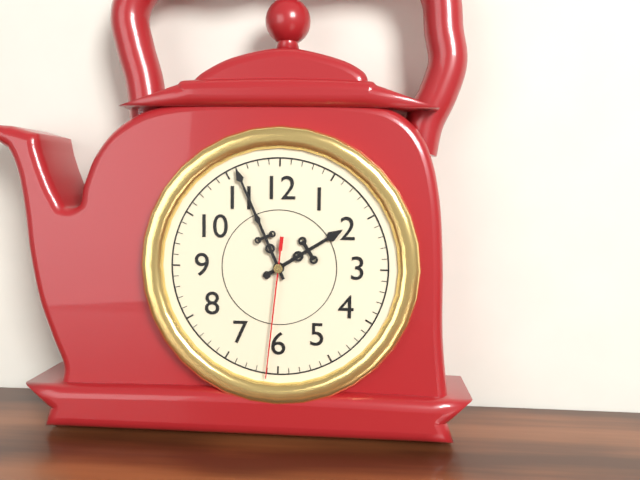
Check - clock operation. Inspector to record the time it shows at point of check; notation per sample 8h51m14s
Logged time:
1h56m31s
